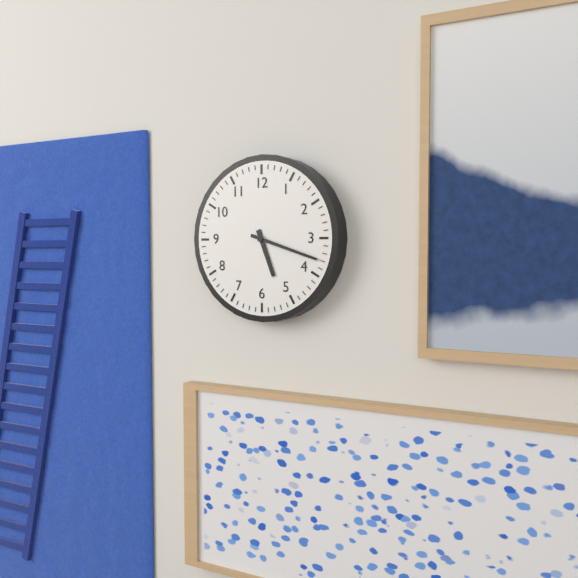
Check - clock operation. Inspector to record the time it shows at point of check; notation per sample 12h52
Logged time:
5h18
